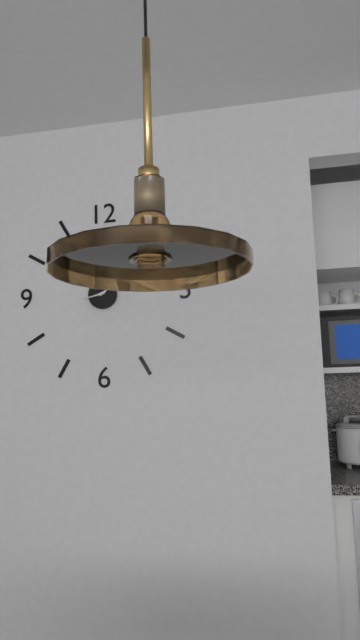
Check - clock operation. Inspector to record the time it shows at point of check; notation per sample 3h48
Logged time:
1h43
